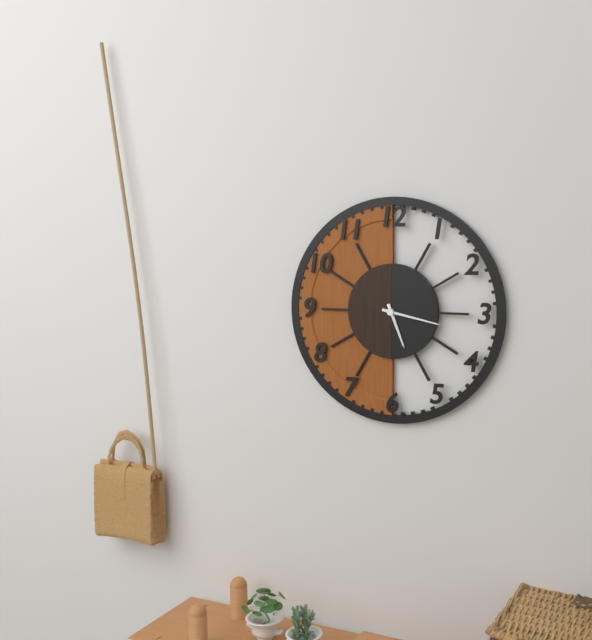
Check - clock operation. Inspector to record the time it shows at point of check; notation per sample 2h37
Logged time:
5h17
